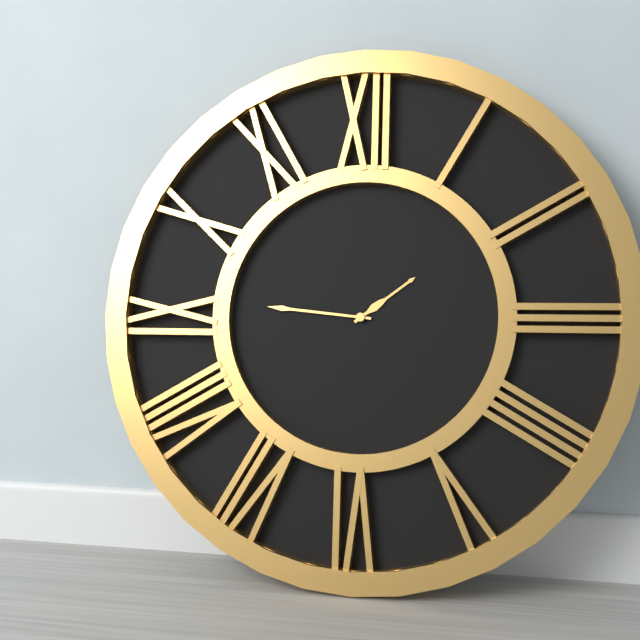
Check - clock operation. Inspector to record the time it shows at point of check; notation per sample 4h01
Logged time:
1h46
